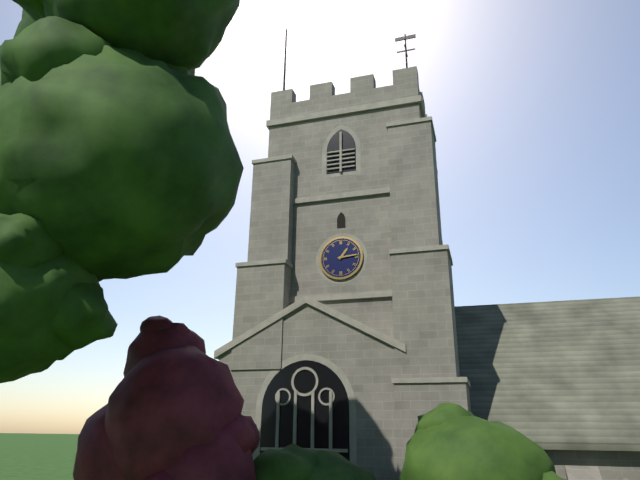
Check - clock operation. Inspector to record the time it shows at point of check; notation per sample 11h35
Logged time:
1h14
